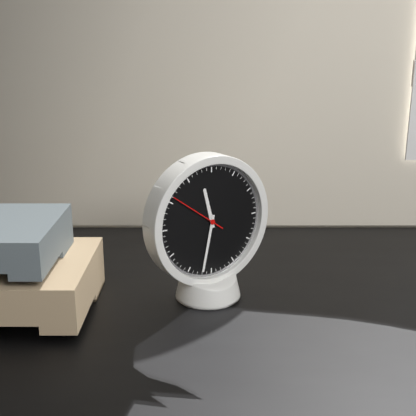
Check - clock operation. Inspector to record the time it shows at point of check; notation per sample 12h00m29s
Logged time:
11h32m51s
